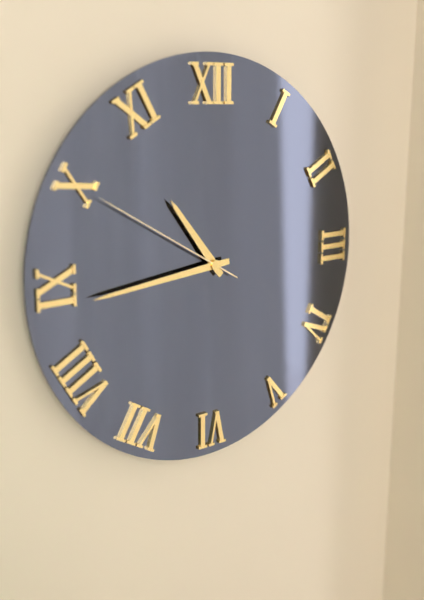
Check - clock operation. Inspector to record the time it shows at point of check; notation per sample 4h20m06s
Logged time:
10h44m50s
